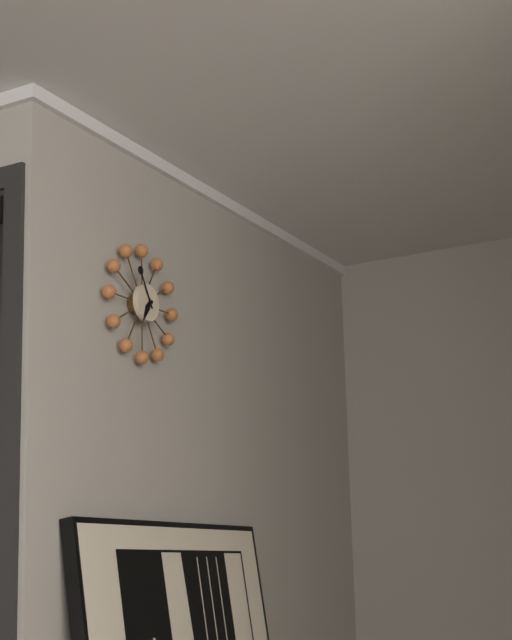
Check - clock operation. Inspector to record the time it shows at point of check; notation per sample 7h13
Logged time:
6h55
